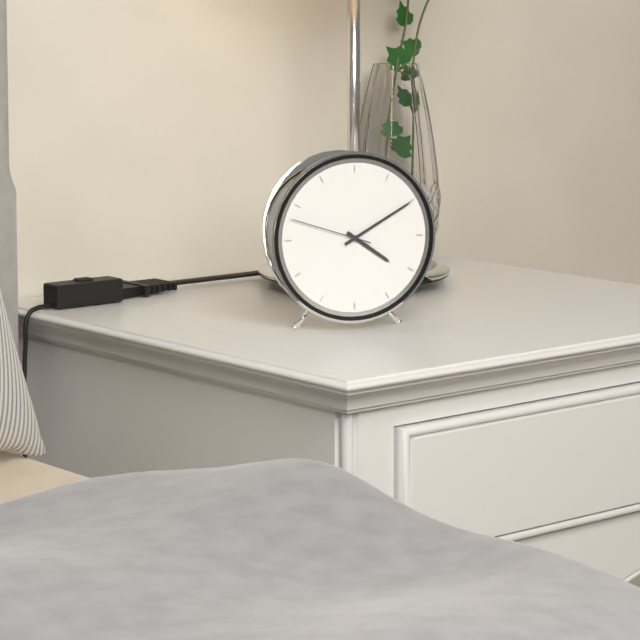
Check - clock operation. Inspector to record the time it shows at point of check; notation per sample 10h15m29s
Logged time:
4h10m48s
